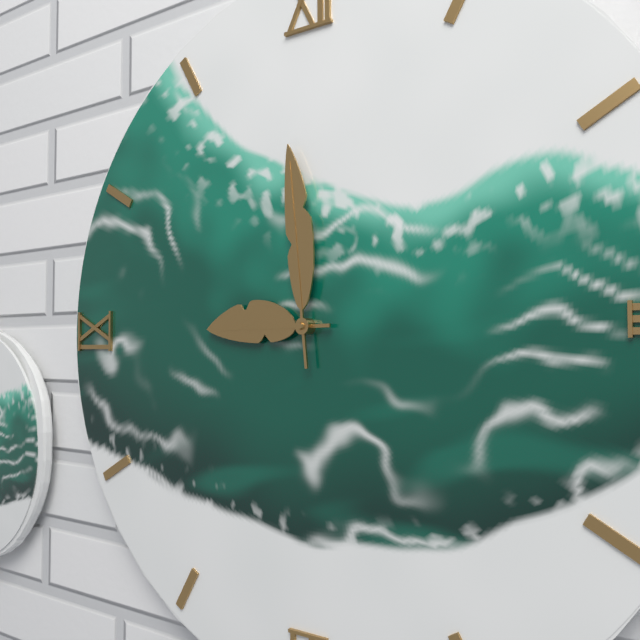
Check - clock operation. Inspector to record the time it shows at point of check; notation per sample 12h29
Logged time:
8h59
